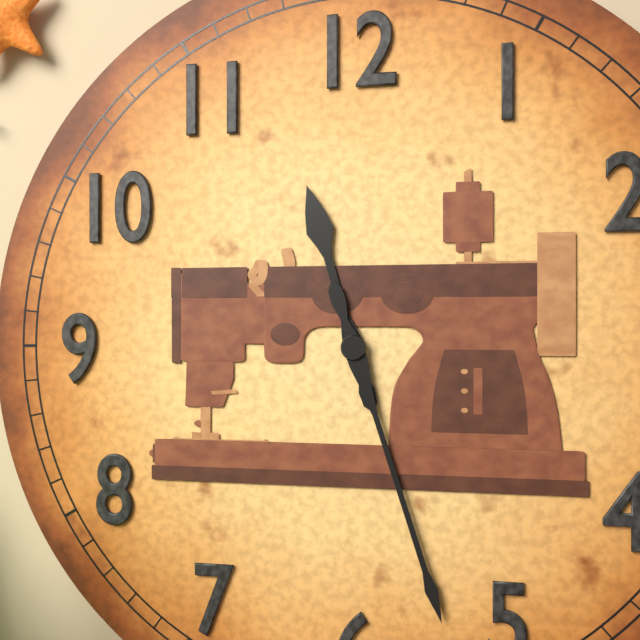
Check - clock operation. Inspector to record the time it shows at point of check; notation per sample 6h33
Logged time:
11h27
